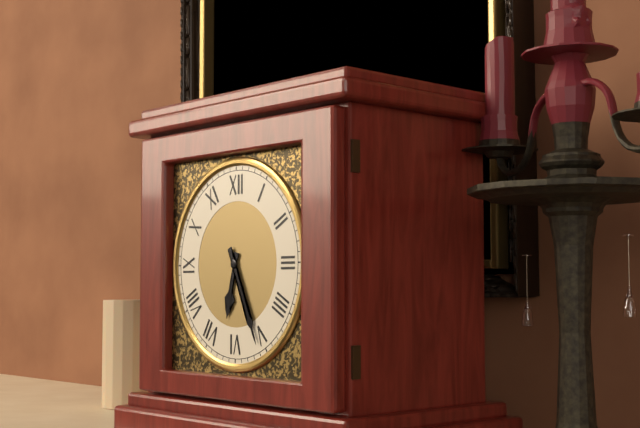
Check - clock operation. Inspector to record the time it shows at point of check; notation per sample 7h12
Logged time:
6h26
